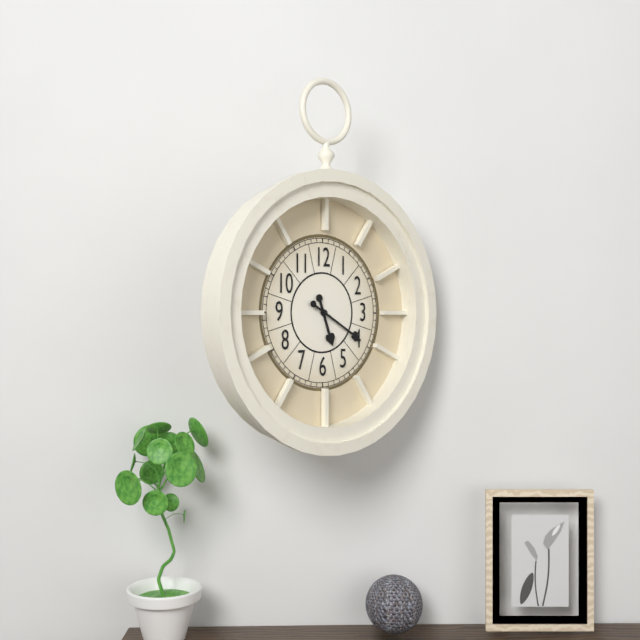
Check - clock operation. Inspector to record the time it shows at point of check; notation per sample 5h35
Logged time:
5h20
